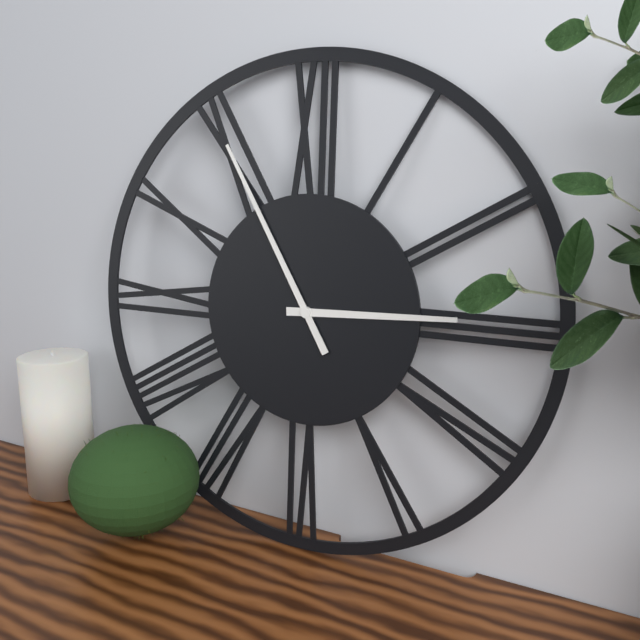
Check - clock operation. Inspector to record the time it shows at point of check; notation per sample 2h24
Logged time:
2h55
